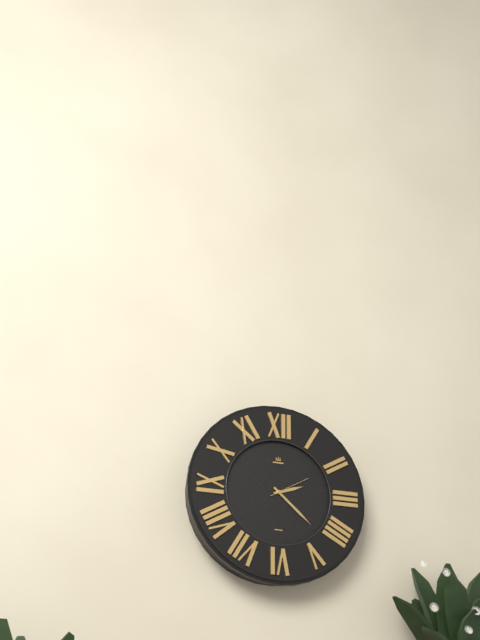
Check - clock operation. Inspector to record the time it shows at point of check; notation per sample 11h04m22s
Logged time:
2h22m10s
